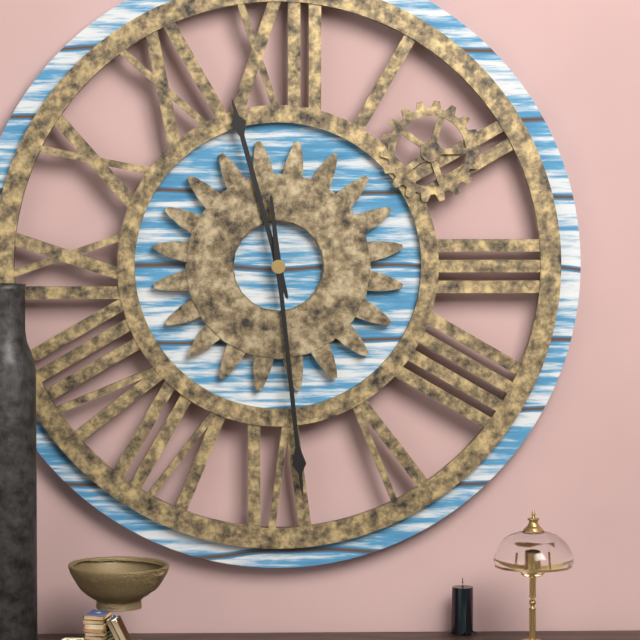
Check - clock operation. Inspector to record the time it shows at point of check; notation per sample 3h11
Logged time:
11h29
